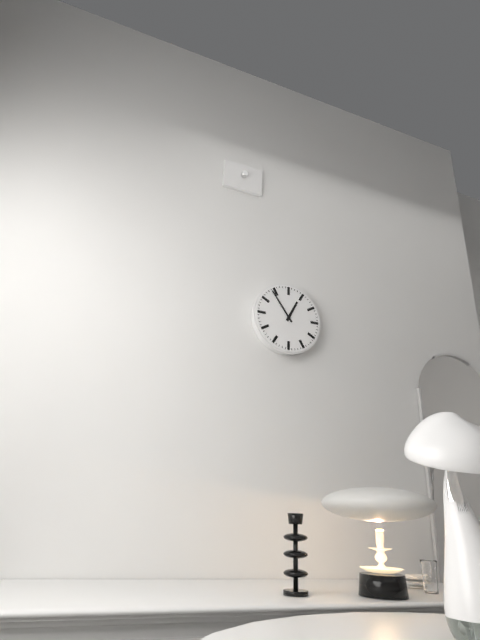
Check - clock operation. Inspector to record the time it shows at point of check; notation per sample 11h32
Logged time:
12h54
